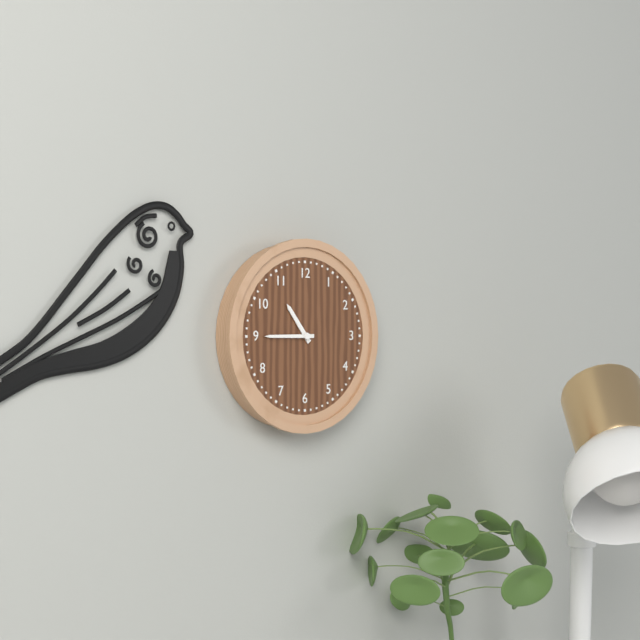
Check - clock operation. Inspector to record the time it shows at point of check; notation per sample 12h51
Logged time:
10h45
